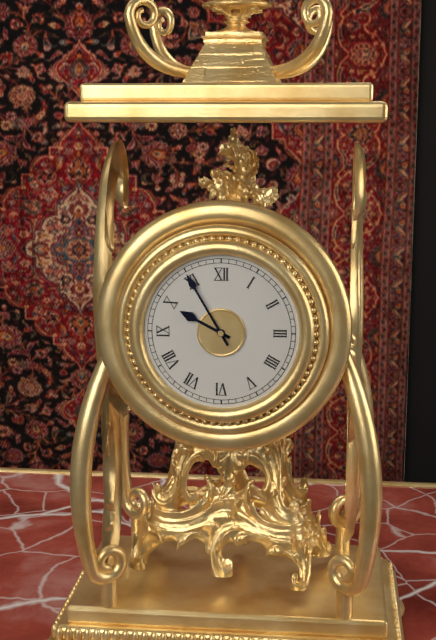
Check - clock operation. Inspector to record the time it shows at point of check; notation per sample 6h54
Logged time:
9h55
